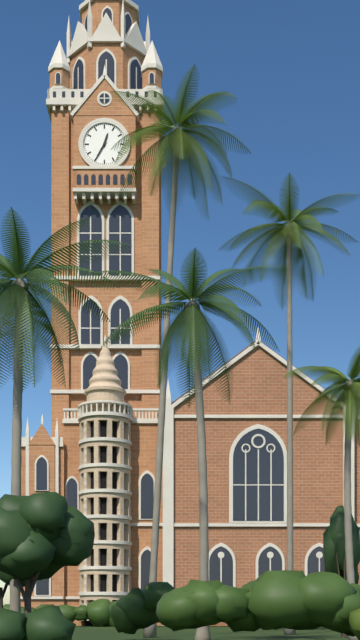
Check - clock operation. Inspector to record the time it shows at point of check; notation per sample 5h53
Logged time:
12h35
